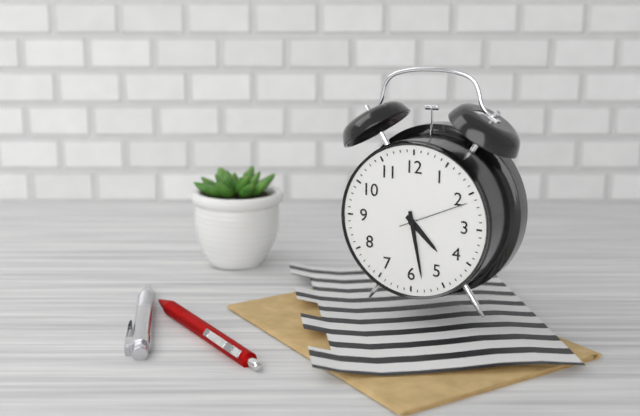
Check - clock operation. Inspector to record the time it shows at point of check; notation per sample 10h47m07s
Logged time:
4h28m11s
